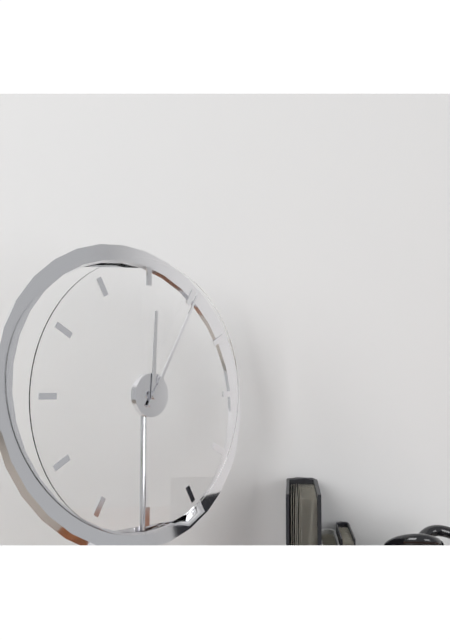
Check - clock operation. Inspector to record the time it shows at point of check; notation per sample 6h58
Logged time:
12h05
